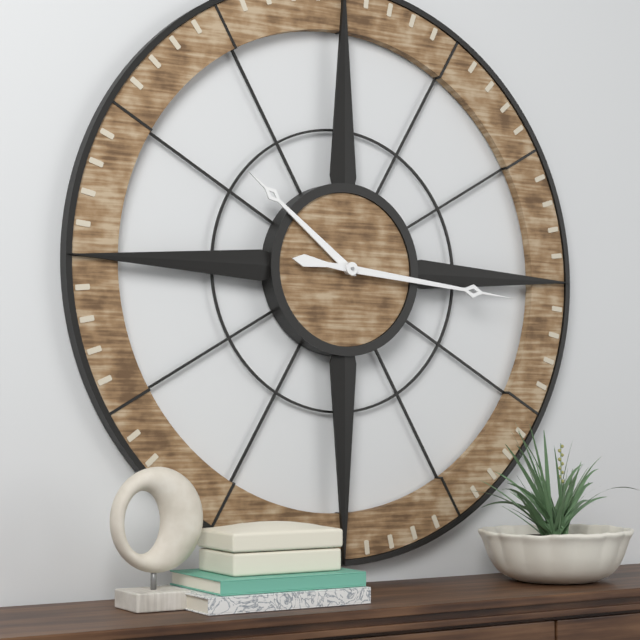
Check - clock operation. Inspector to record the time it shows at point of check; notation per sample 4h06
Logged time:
10h16
